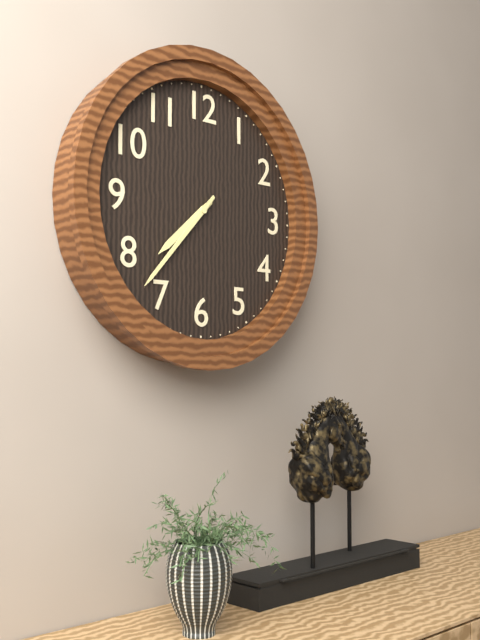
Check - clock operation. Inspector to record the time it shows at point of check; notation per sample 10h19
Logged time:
7h37
